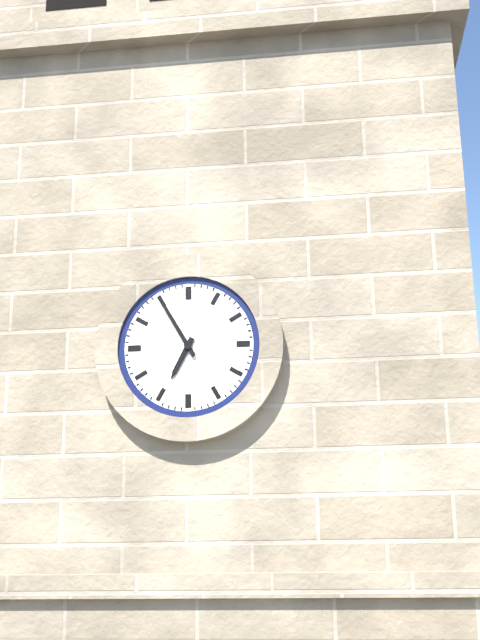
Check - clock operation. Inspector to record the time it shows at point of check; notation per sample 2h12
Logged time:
6h55
